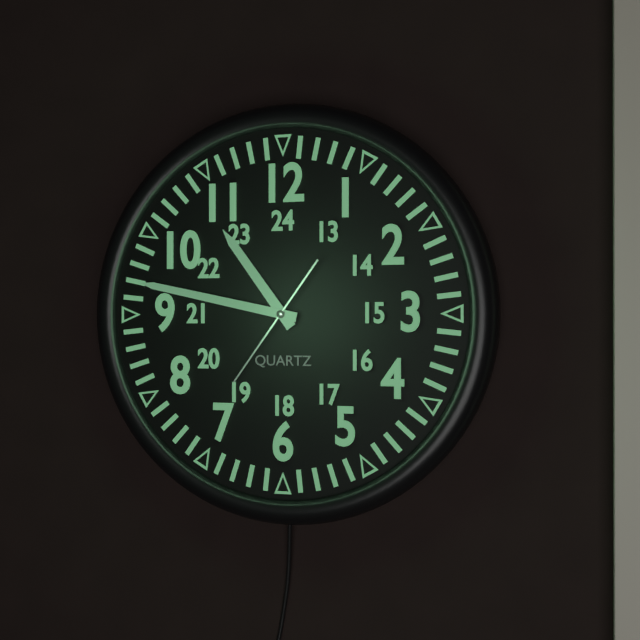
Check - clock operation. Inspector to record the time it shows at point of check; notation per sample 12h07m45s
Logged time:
10h47m36s
